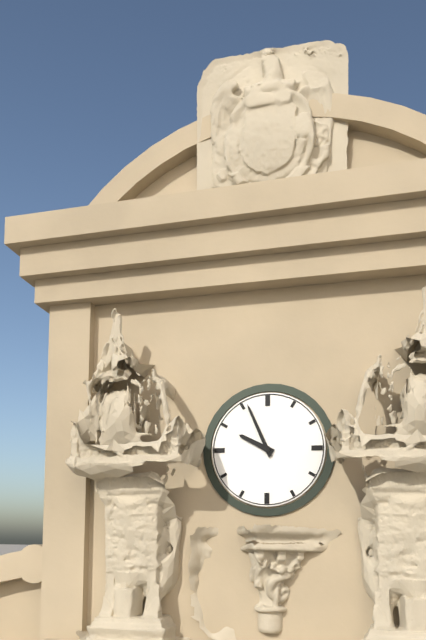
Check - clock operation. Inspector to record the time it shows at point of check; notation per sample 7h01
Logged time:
9h56
